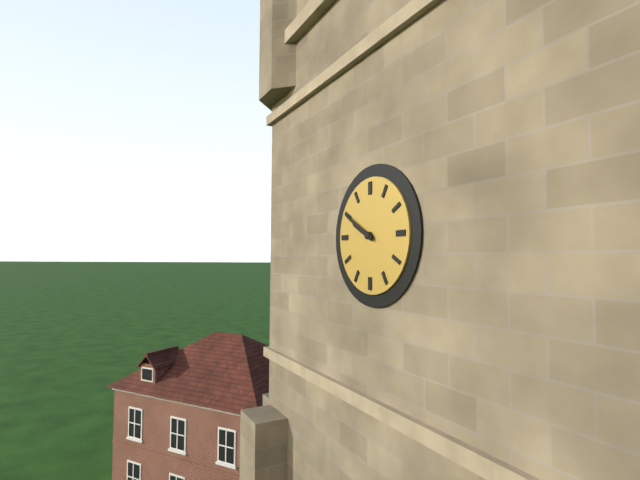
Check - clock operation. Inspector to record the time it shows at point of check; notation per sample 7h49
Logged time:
9h50
